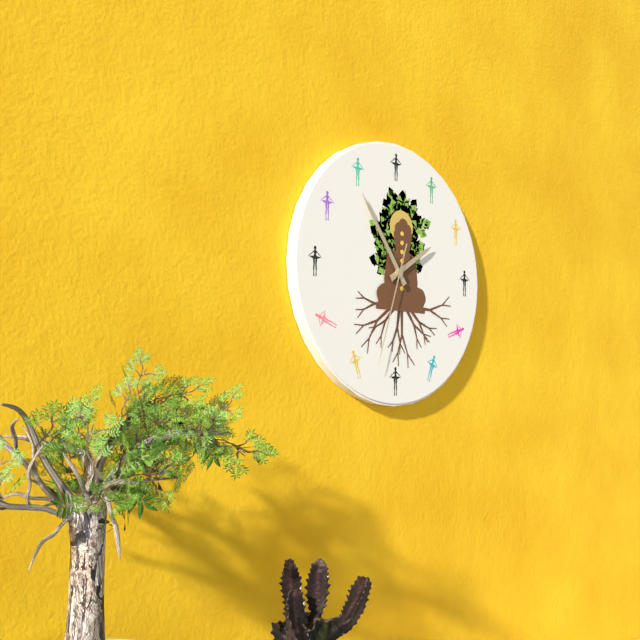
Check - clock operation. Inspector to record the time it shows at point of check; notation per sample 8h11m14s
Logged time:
1h54m33s
